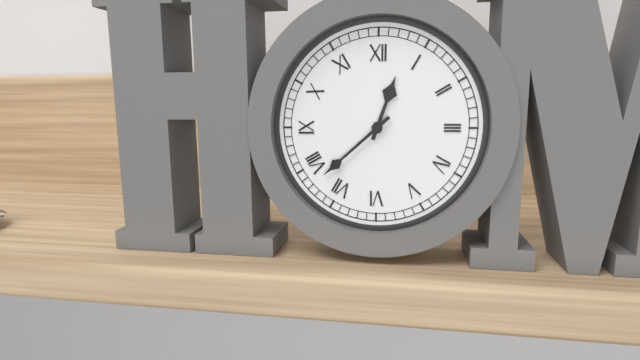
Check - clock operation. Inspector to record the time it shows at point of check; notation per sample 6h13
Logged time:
12h38
